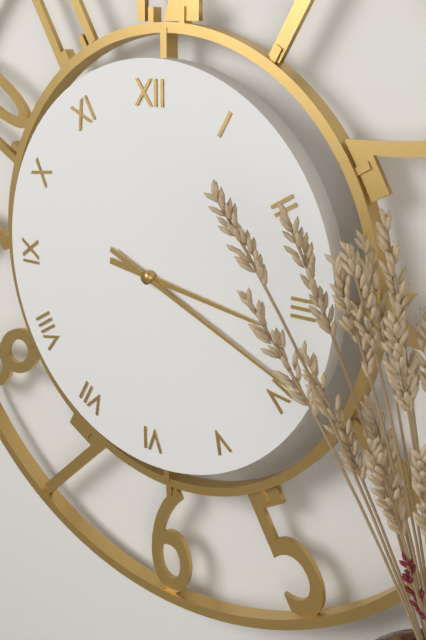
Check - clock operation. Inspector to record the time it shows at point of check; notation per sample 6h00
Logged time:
3h19
